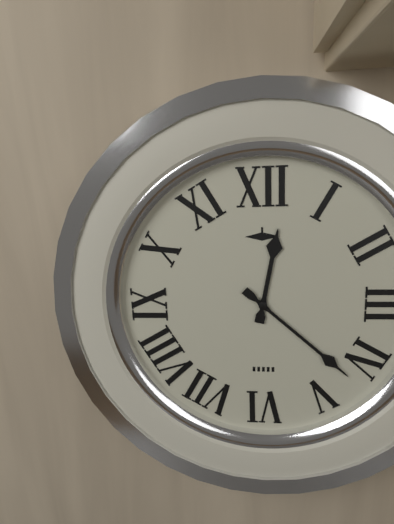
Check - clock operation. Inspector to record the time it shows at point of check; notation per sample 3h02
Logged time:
12h22
